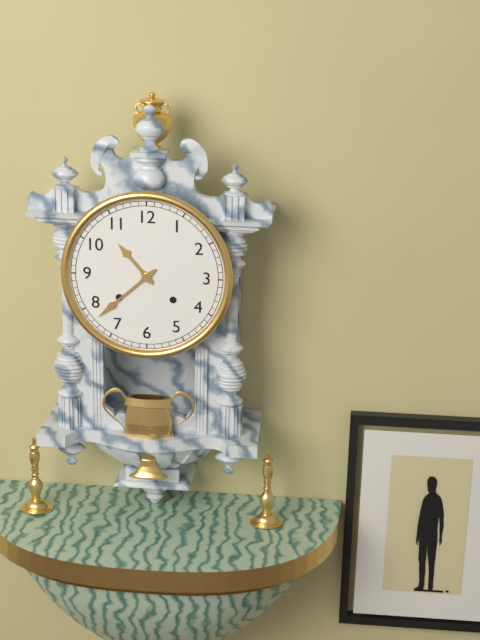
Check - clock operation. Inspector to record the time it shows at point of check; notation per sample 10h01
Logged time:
10h38
